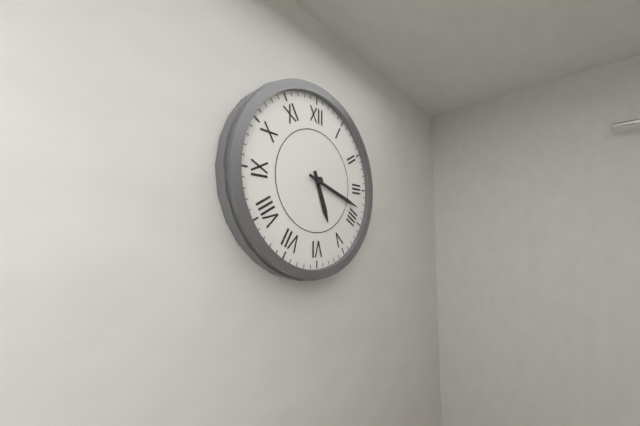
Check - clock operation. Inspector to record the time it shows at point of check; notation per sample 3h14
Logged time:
5h18
